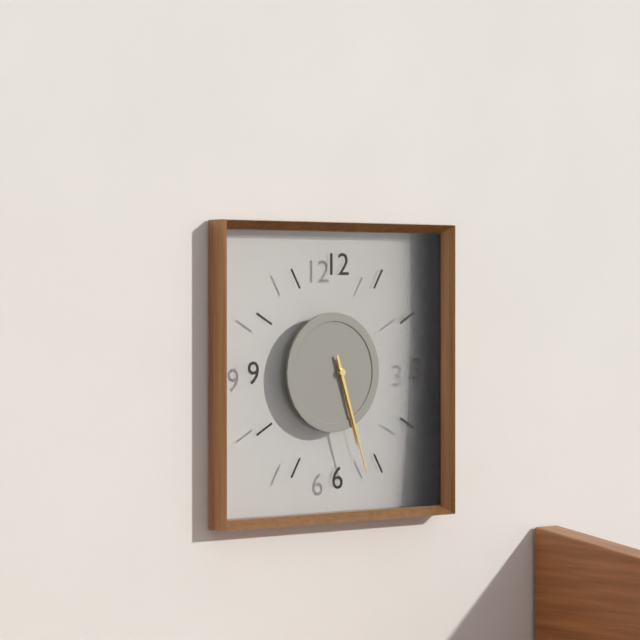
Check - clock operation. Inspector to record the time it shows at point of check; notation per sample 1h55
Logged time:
5h27
